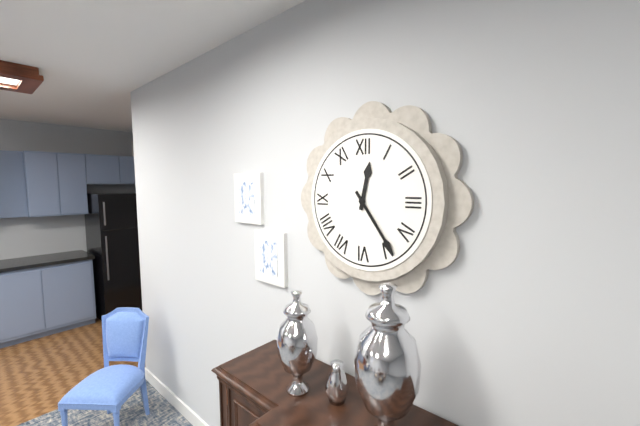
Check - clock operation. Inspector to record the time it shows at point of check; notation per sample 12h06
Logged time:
12h24
